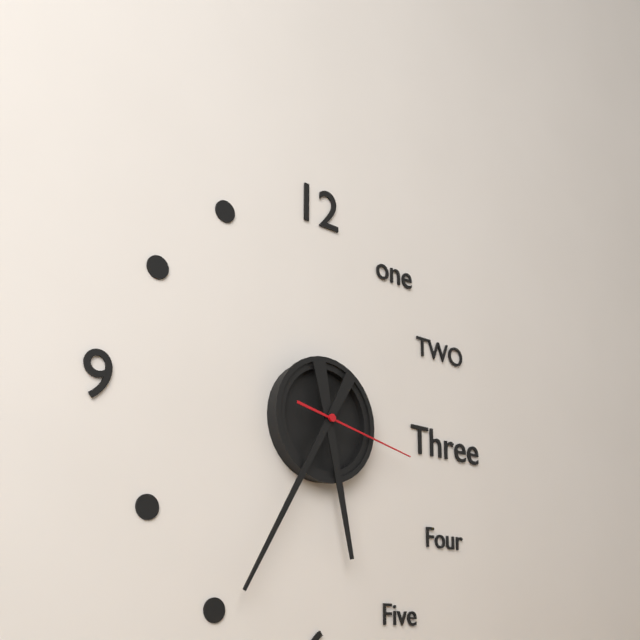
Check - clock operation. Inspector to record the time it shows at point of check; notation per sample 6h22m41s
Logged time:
5h35m17s
